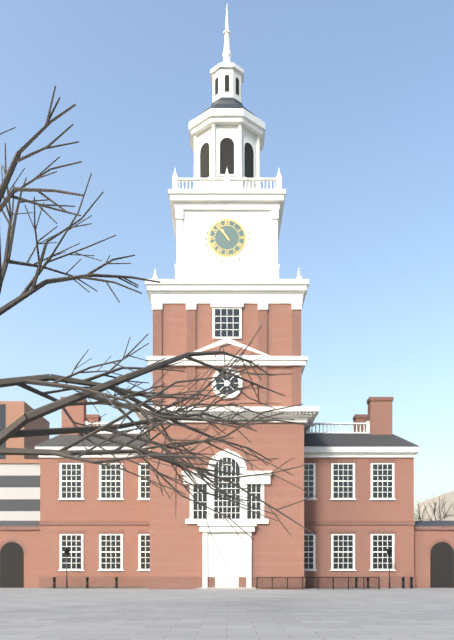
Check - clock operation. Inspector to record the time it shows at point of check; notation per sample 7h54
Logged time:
10h53
